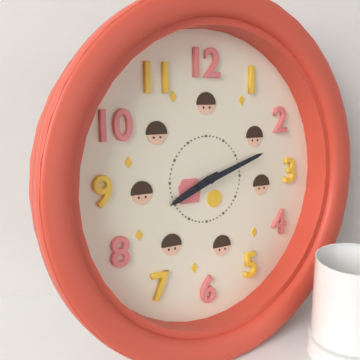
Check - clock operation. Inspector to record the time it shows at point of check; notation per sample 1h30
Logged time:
8h12
